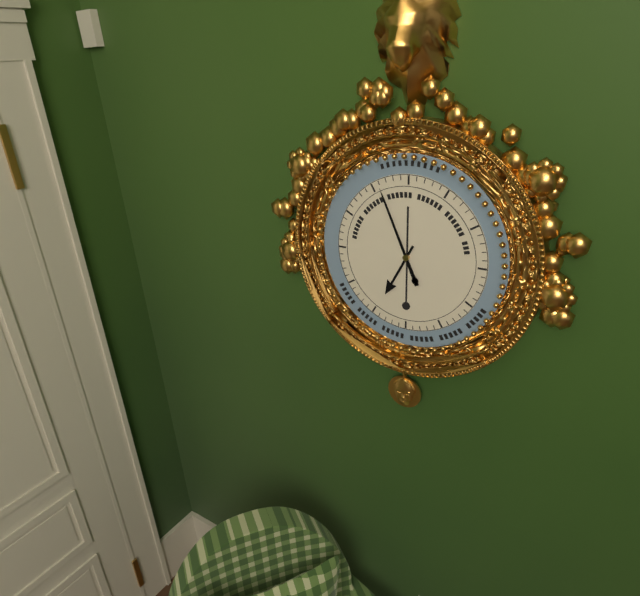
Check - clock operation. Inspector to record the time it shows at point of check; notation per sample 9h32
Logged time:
6h56
